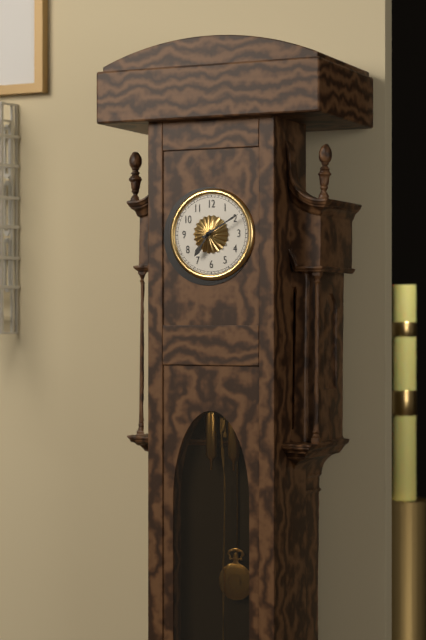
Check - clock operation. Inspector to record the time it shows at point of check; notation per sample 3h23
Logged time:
7h10
